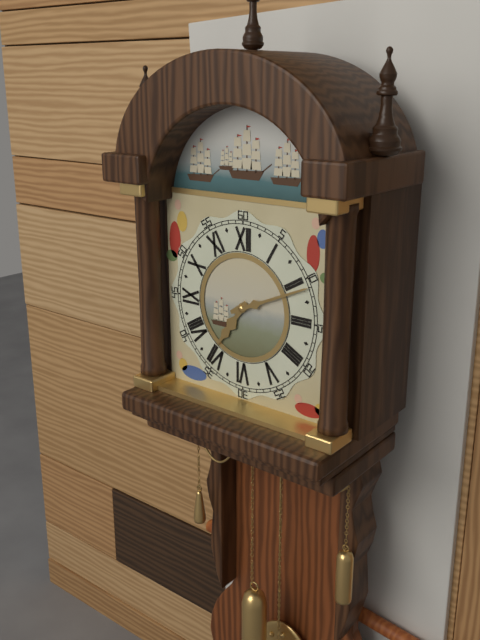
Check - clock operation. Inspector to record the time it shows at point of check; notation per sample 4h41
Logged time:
7h11
